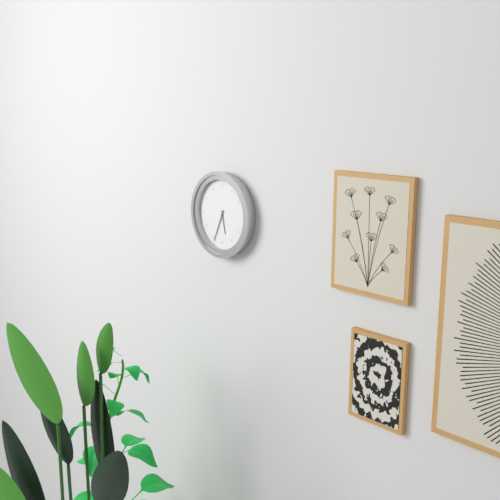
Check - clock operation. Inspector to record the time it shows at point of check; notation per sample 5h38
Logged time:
5h34
